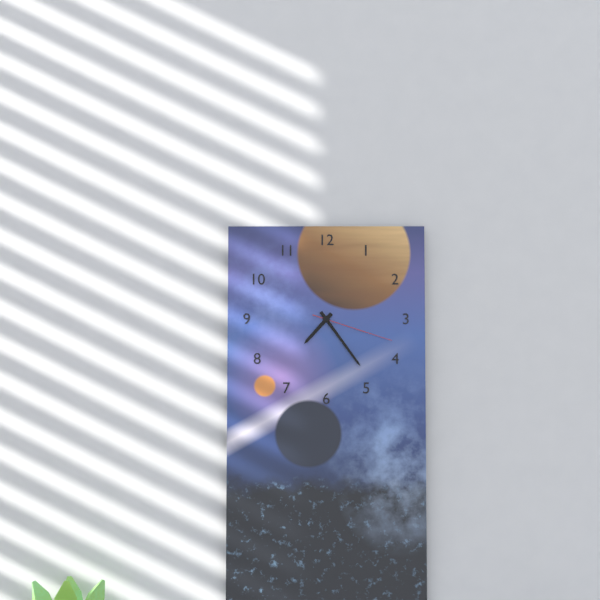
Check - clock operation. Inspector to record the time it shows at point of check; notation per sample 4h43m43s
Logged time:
7h24m18s
